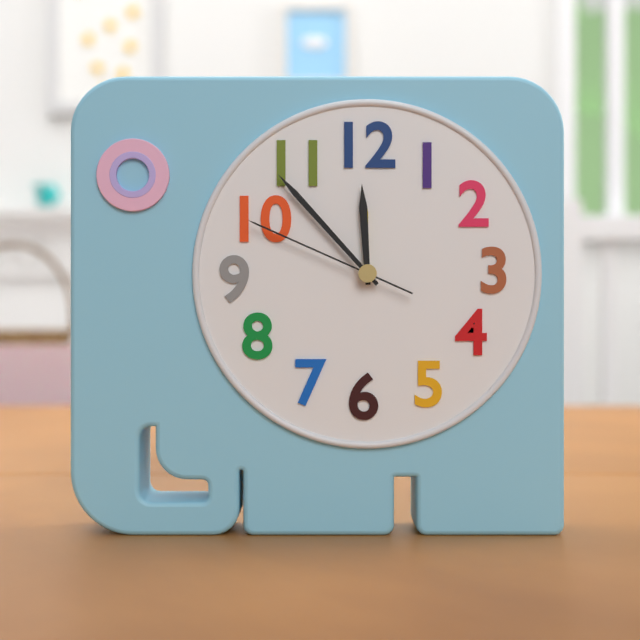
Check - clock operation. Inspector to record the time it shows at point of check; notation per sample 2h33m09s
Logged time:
11h53m49s
